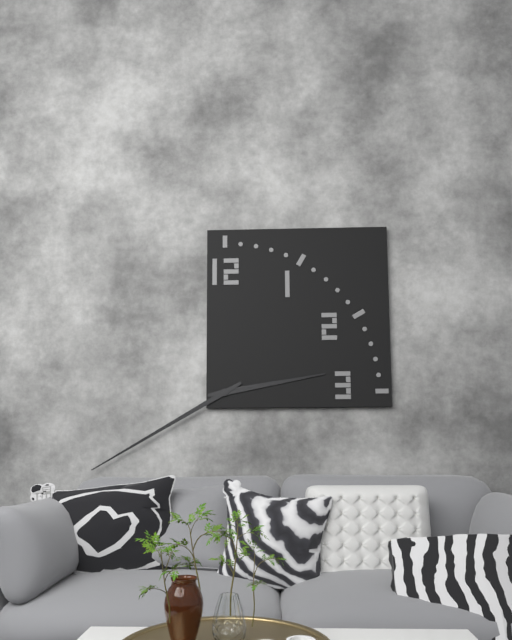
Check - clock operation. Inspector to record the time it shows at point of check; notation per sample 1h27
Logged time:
2h40
